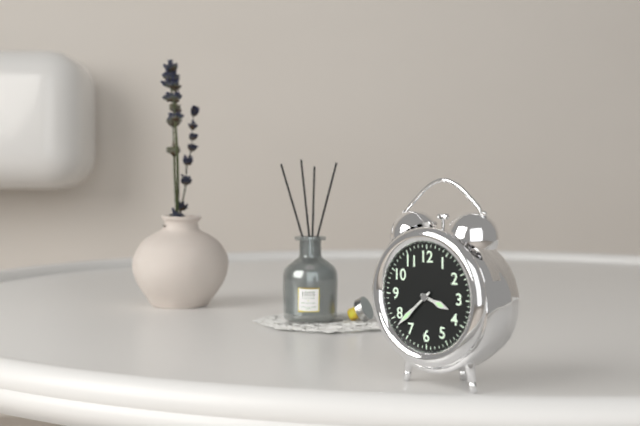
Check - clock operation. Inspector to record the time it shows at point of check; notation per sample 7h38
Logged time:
3h38
